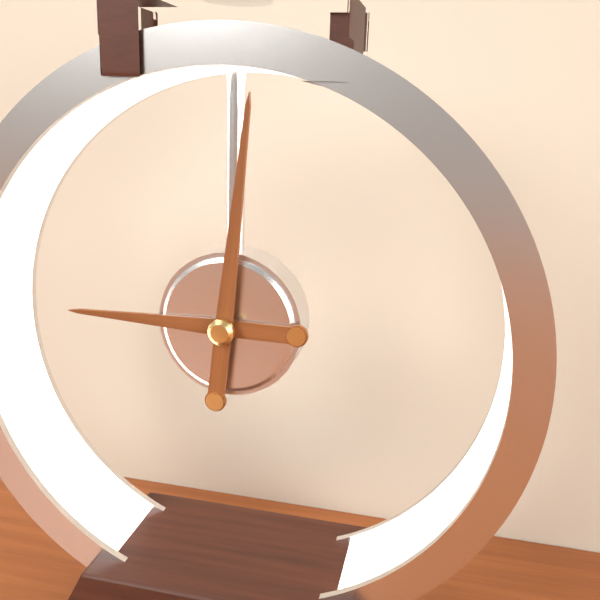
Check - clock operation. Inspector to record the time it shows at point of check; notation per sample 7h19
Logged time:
9h01
